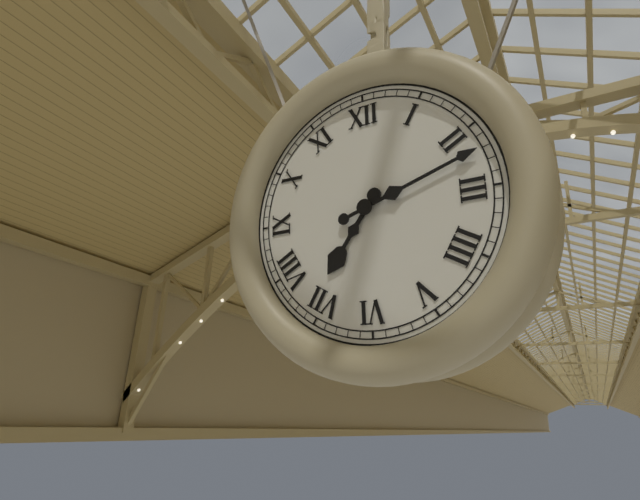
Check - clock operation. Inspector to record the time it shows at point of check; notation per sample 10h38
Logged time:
7h12
